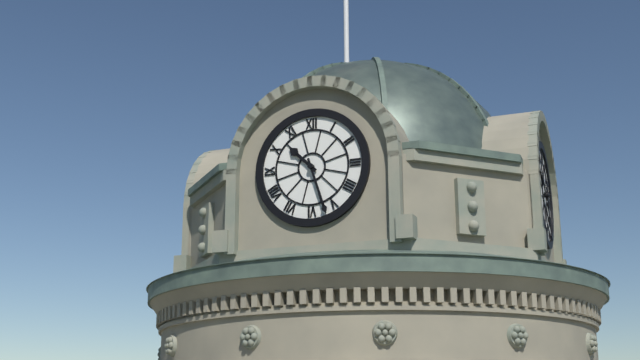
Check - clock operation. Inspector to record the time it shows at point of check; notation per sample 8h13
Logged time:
10h27
